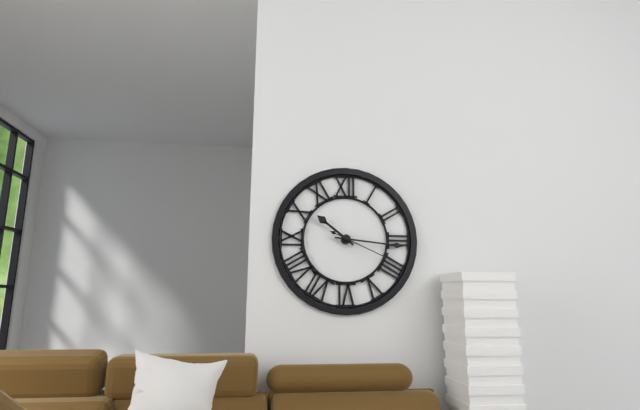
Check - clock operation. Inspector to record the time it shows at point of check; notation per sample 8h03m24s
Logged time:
10h16m19s
